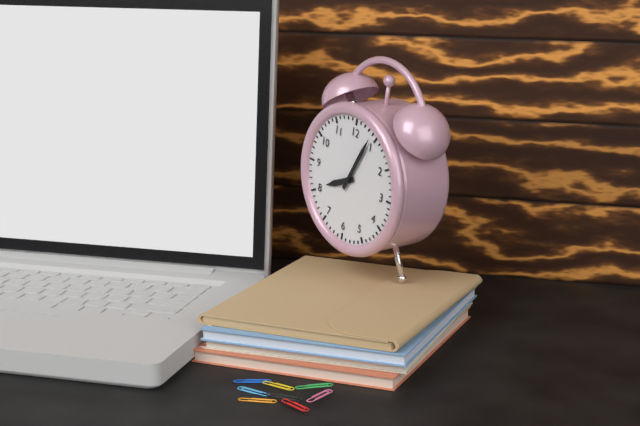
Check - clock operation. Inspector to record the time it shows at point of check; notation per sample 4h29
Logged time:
8h04
